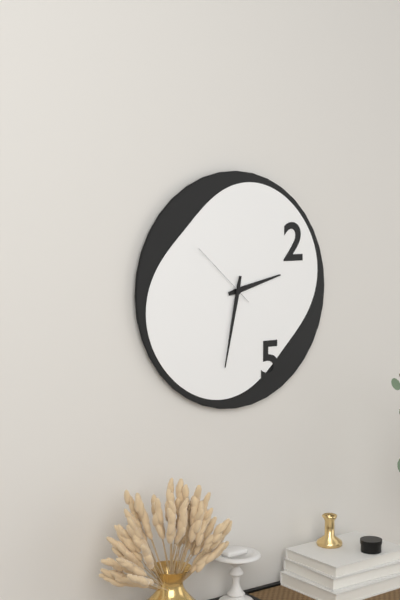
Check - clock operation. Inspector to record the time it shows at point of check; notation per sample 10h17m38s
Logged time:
2h32m52s
